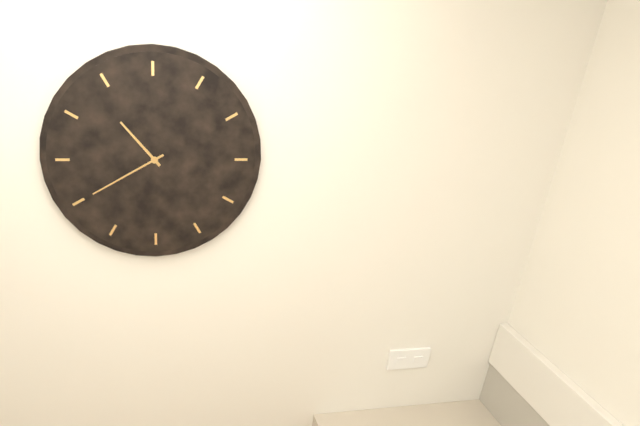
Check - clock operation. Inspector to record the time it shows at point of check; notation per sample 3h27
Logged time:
10h40
